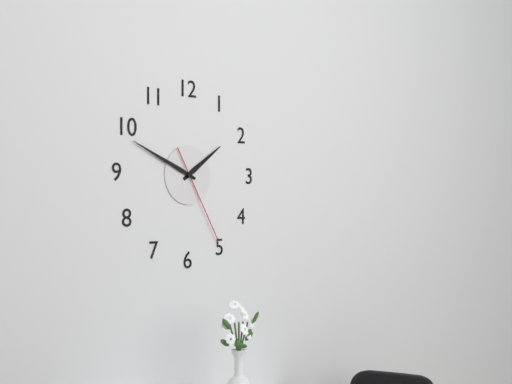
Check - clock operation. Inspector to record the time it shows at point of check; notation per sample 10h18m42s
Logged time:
1h49m25s
